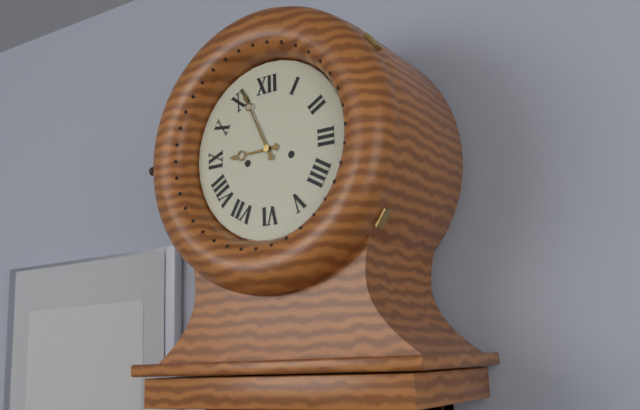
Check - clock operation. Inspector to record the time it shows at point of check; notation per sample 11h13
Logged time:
8h56
